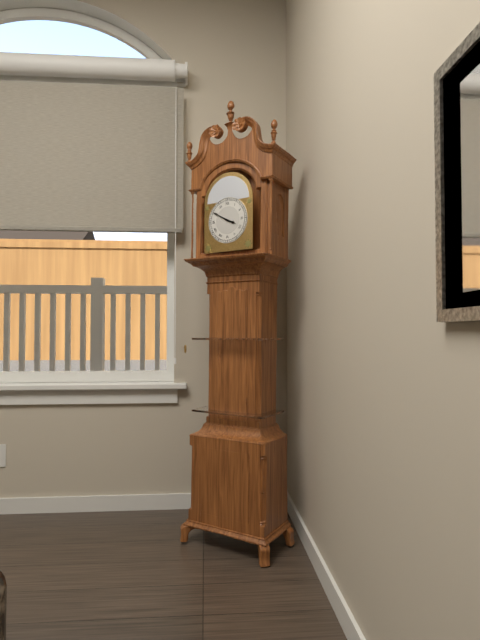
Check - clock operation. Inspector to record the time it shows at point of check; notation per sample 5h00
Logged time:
3h50
